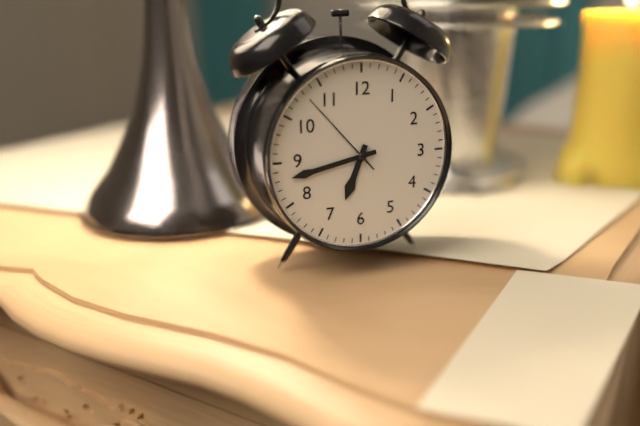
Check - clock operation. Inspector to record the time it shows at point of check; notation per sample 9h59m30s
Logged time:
6h43m53s
